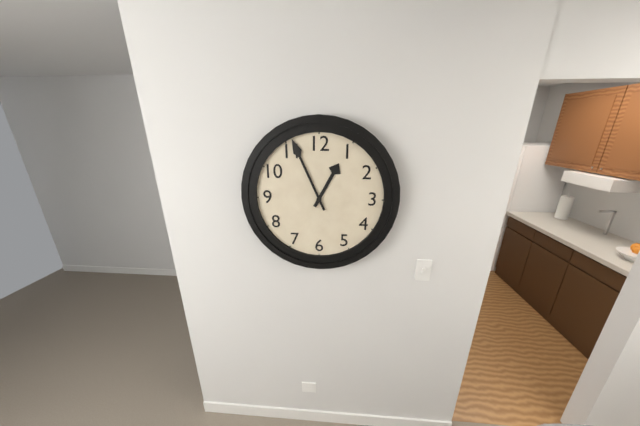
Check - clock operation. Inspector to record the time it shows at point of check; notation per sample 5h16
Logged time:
12h56
